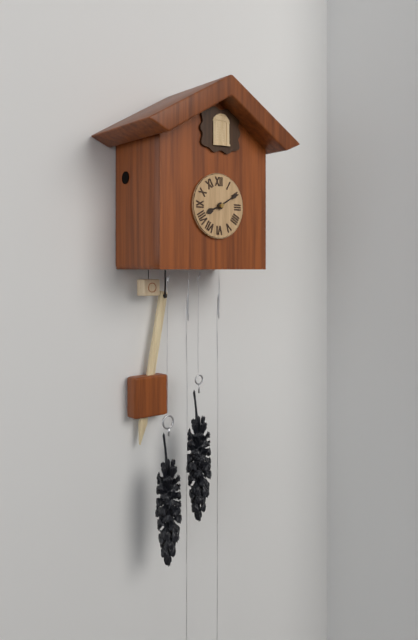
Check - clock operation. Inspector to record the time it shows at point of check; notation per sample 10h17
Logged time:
8h10
